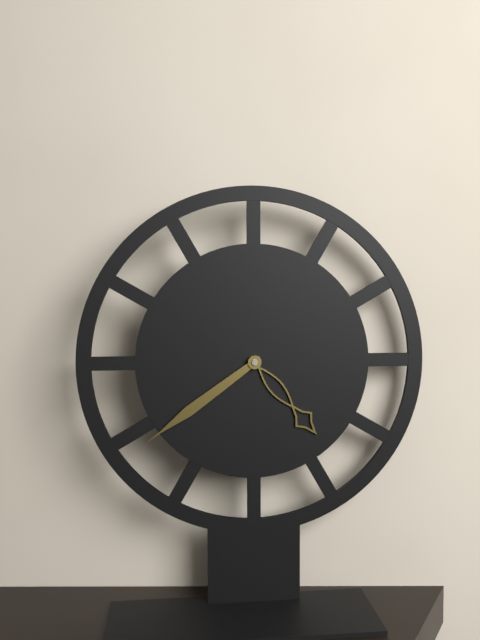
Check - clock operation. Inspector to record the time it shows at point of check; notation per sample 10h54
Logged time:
4h39
